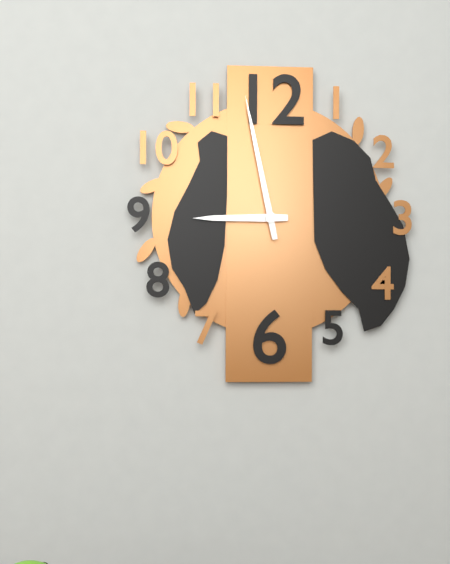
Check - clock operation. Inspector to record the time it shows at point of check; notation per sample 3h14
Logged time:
8h58
